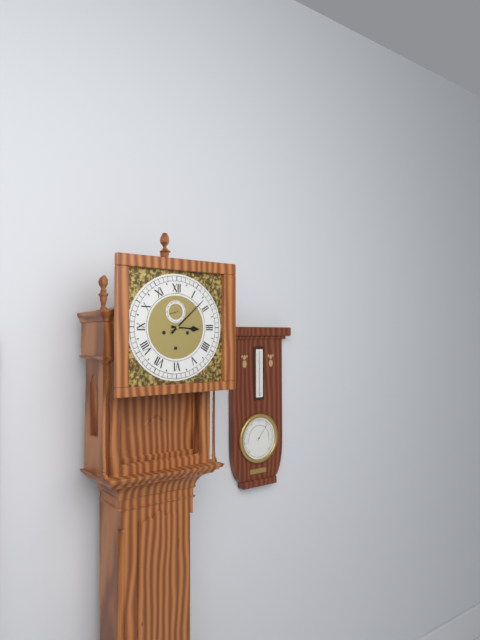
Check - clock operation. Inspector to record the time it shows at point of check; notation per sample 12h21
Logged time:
3h08
